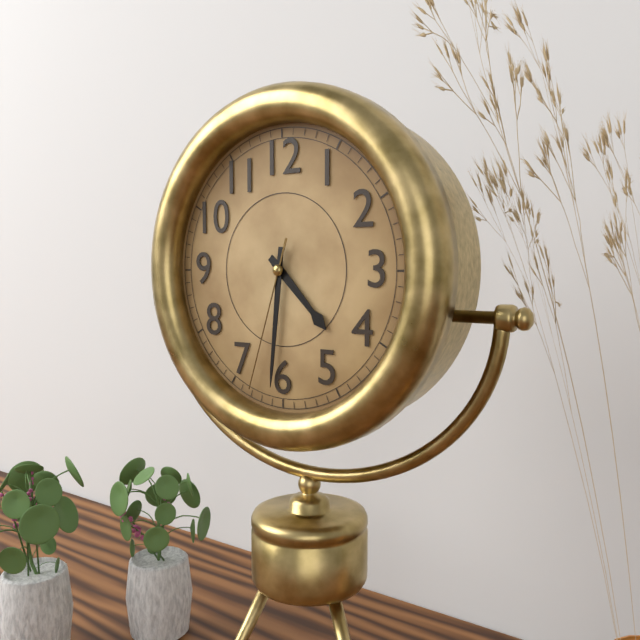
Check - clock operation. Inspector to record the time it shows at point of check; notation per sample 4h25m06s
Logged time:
4h31m33s
